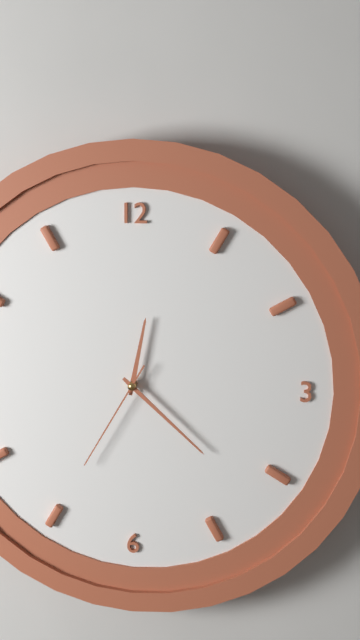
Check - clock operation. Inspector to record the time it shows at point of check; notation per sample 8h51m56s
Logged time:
12h22m35s
